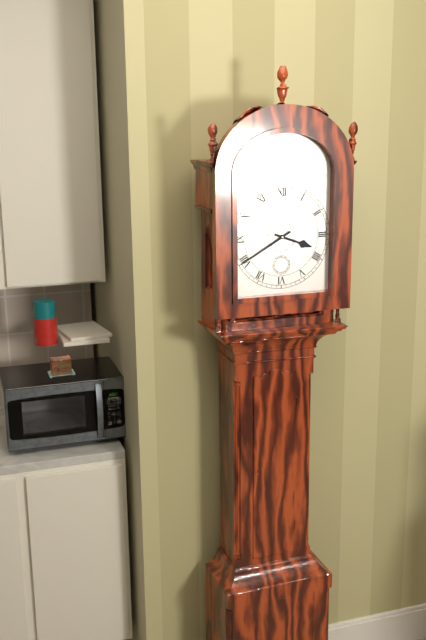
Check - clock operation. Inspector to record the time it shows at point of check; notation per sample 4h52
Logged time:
3h40
